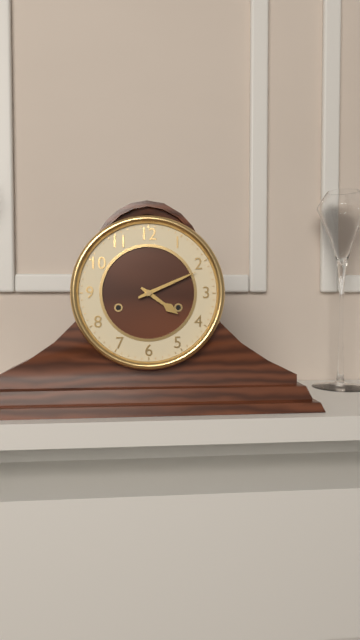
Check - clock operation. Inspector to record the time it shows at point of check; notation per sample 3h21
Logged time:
4h11
